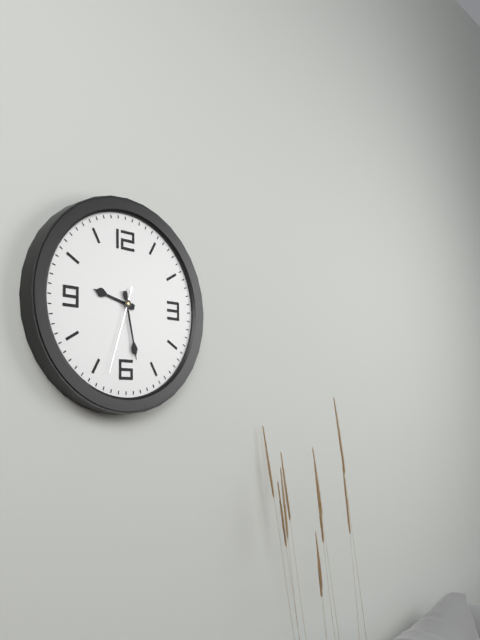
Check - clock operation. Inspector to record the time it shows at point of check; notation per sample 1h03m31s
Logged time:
9h28m33s
